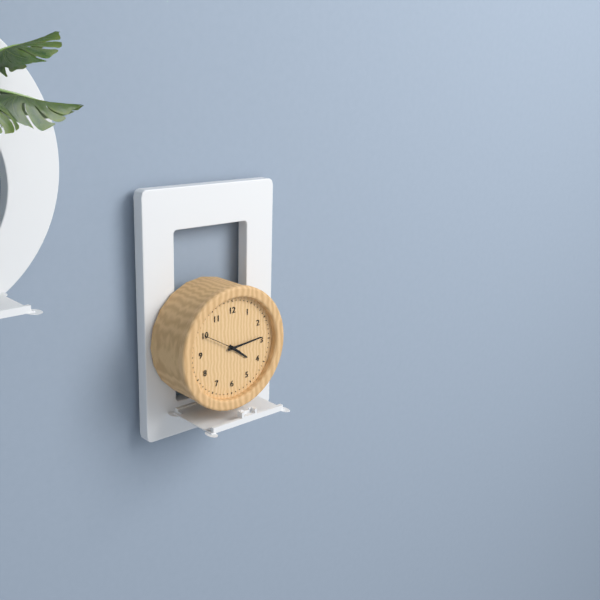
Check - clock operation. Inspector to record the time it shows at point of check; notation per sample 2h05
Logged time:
4h14
